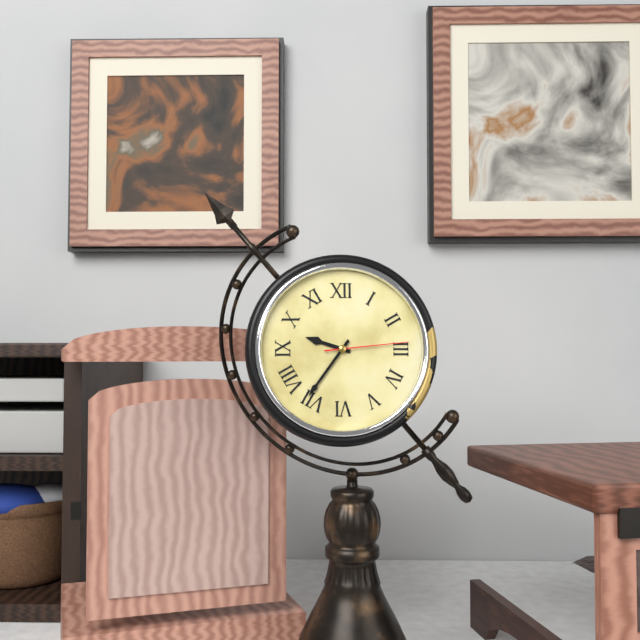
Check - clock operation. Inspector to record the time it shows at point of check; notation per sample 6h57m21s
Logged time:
9h36m14s
